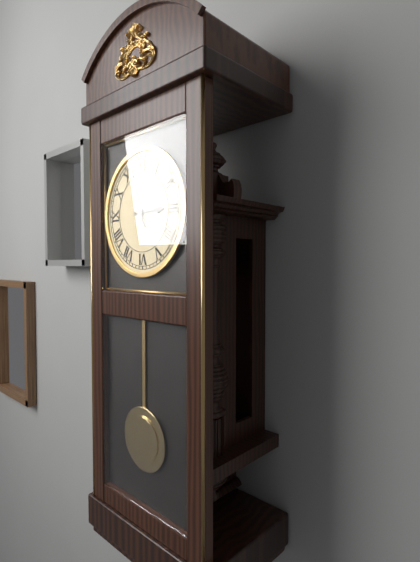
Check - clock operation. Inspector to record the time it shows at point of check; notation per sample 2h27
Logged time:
2h57
